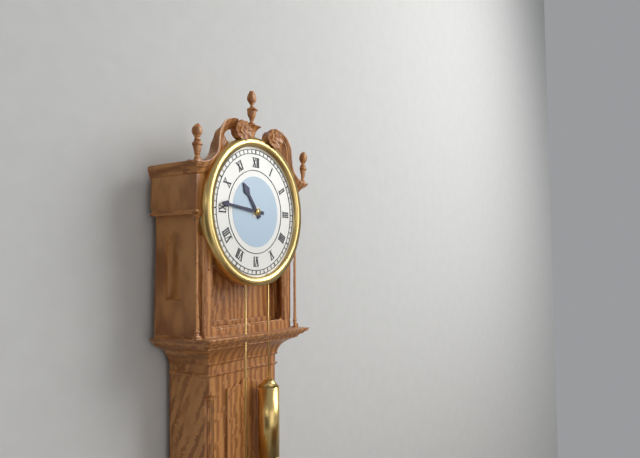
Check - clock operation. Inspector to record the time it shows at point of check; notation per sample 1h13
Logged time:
10h46
